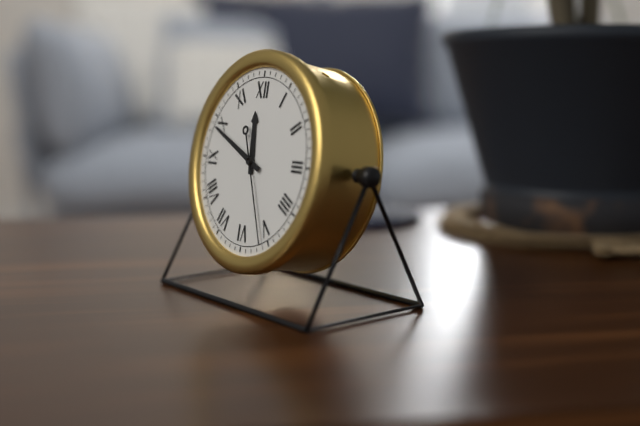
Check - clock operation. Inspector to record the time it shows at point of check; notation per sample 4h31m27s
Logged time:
11h49m26s
